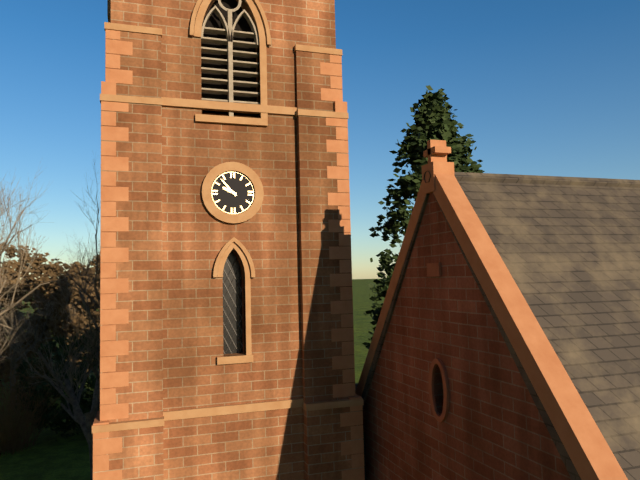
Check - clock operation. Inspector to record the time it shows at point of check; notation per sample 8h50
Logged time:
9h53
